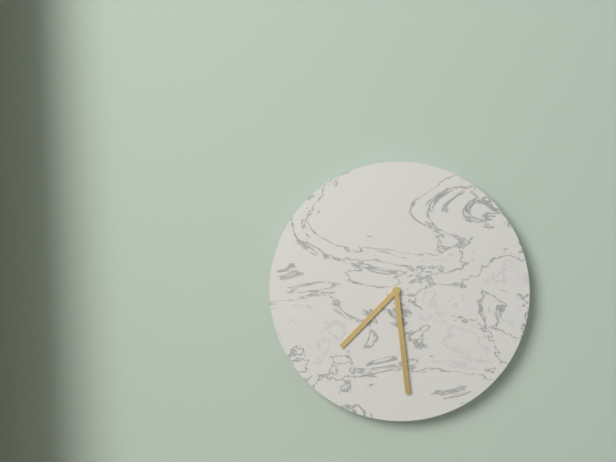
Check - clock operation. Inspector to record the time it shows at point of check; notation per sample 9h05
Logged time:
7h29
